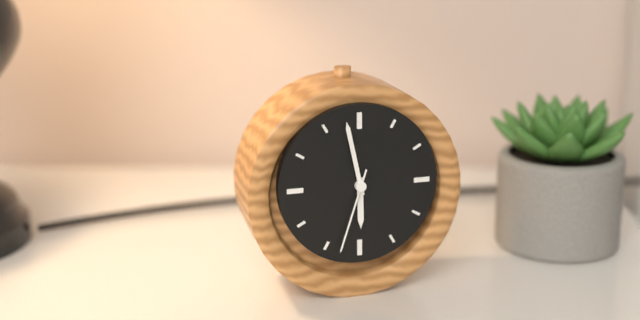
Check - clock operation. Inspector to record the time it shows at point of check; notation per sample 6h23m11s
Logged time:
5h58m33s
